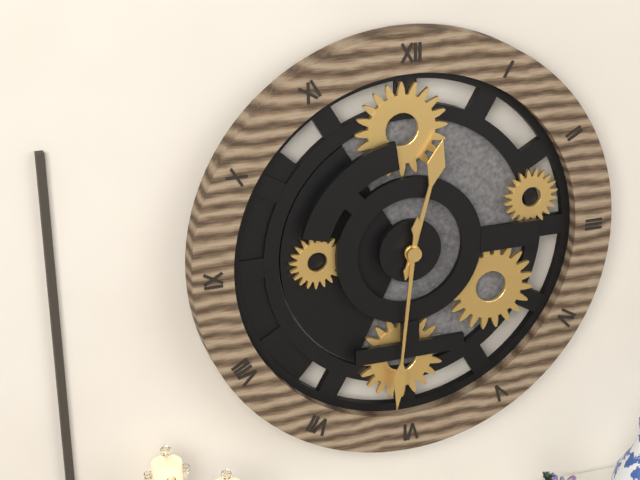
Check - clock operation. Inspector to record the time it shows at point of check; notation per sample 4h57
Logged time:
12h31
